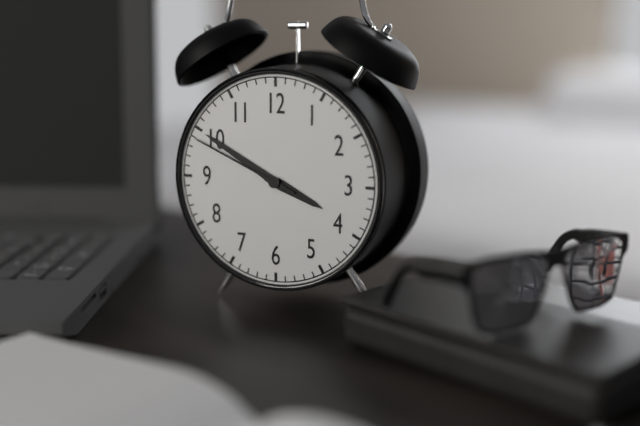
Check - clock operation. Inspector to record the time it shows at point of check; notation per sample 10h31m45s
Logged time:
3h50m49s
